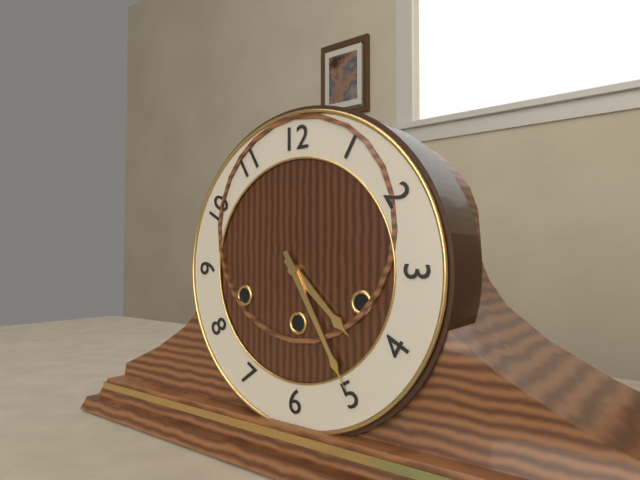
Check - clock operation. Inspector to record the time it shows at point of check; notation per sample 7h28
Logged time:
4h25
